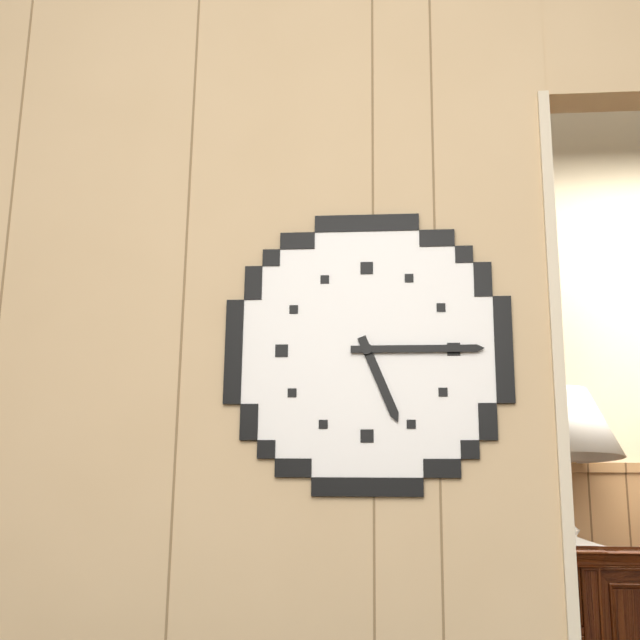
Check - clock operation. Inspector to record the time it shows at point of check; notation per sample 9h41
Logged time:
5h15
